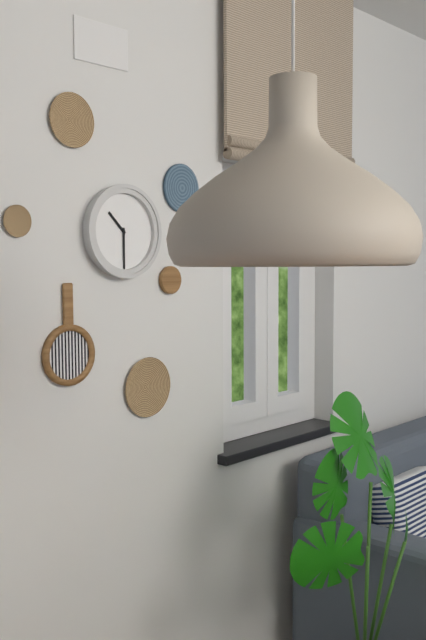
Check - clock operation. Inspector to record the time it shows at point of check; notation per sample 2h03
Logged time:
10h30
